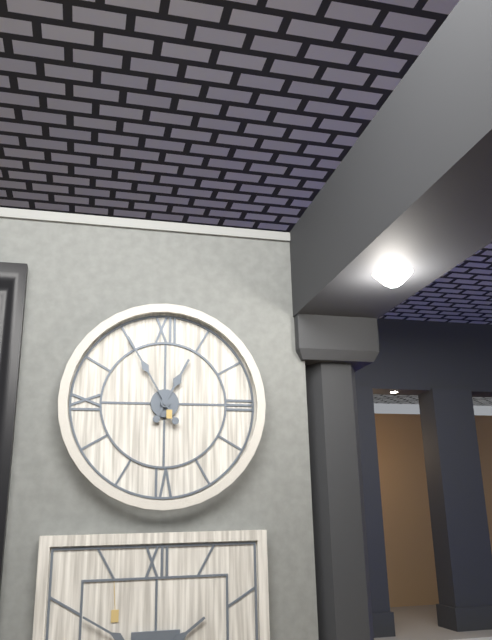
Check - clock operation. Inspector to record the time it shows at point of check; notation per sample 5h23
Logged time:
12h55
